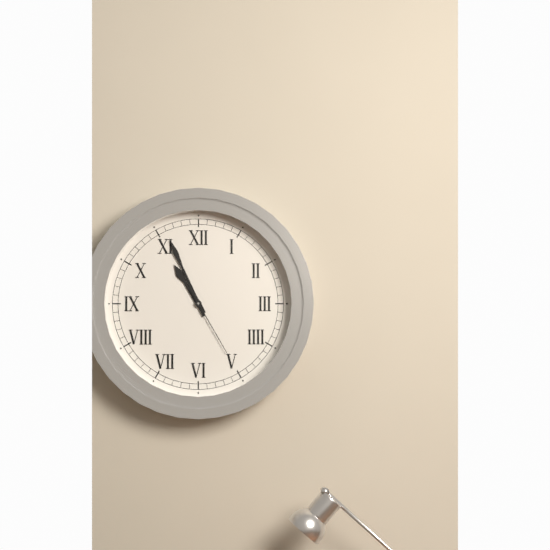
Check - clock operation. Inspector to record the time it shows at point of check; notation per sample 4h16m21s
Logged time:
10h56m25s
